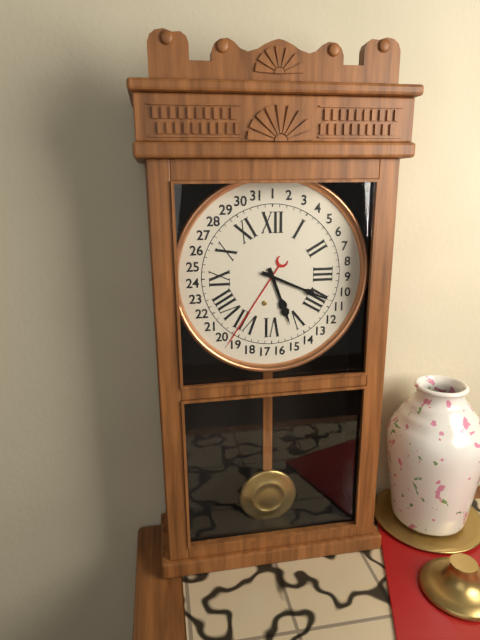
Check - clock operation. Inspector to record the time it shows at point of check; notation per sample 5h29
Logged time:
5h19
